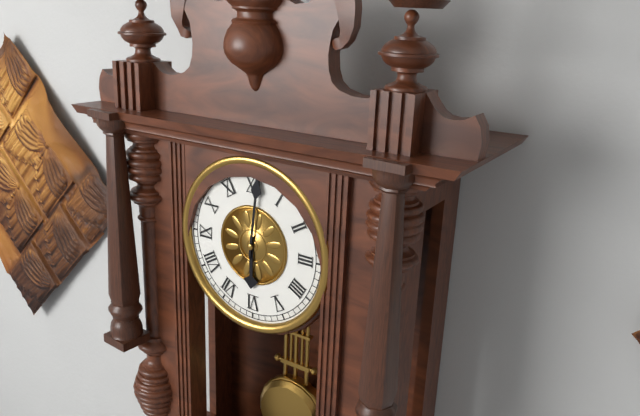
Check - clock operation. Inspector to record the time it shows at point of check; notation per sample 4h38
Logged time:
6h01
